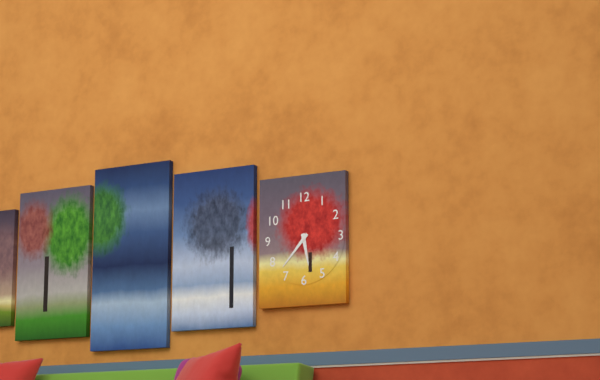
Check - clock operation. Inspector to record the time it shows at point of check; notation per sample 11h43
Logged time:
5h37
